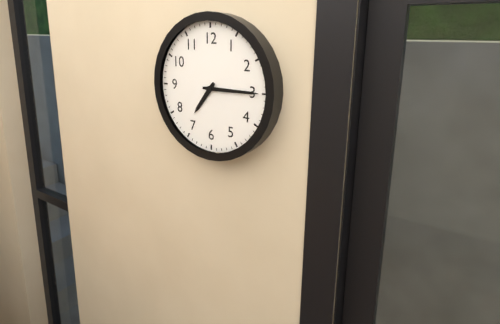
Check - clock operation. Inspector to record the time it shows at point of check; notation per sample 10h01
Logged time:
7h15
